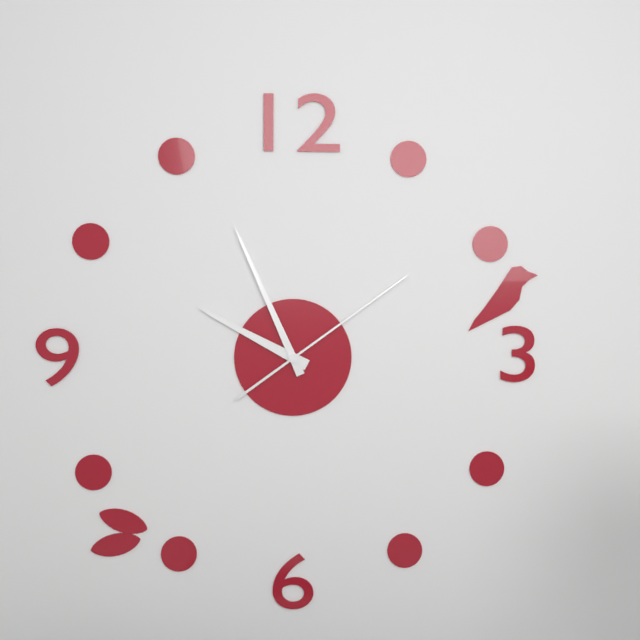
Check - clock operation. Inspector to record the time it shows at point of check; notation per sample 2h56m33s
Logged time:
9h56m09s
